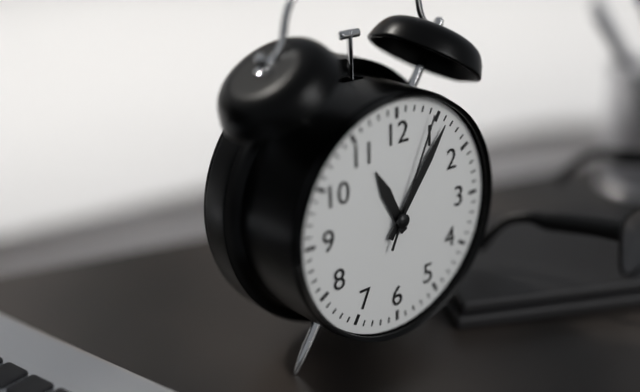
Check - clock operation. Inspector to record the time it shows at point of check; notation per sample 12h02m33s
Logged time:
11h06m04s
